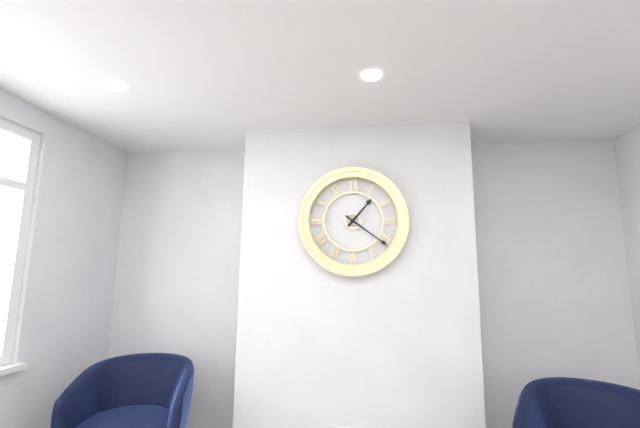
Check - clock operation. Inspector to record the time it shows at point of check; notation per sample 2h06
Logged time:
1h21
